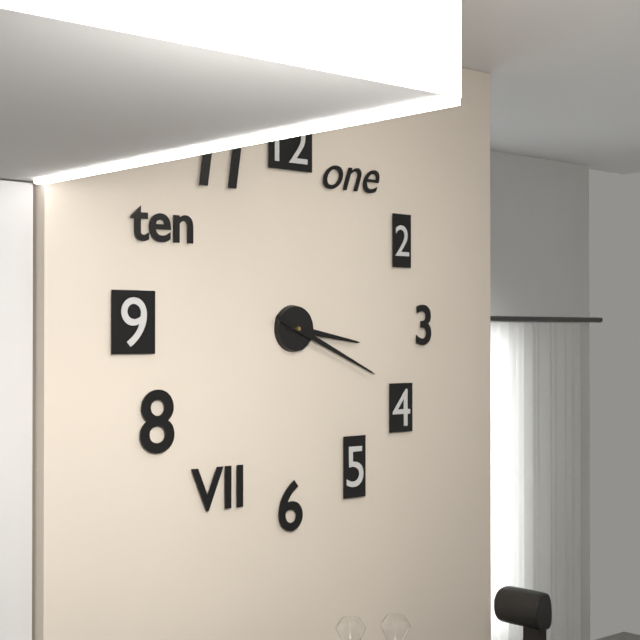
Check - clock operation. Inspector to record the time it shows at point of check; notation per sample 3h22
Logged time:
3h19
